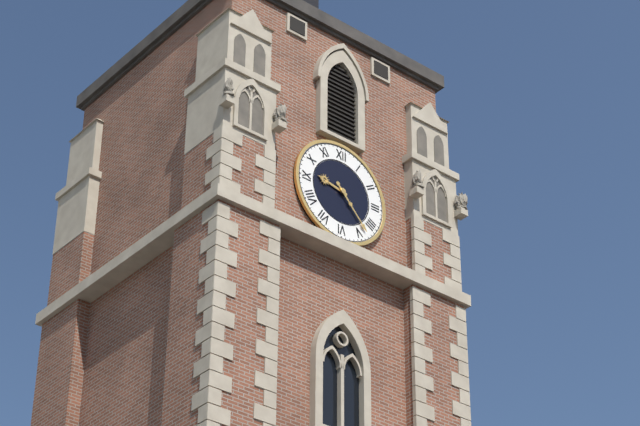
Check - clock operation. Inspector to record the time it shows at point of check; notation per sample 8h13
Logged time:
9h23
